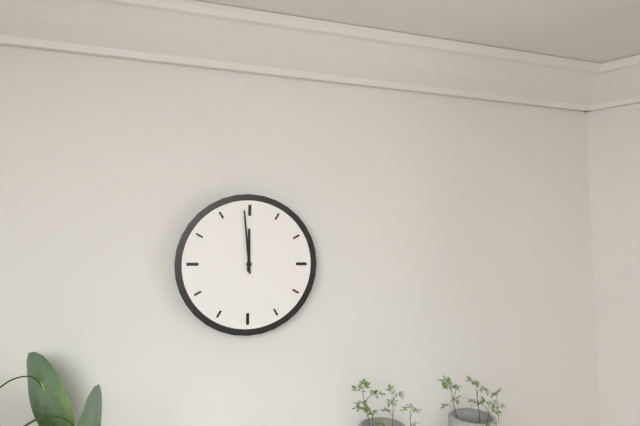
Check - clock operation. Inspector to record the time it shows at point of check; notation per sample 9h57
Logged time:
11h59
